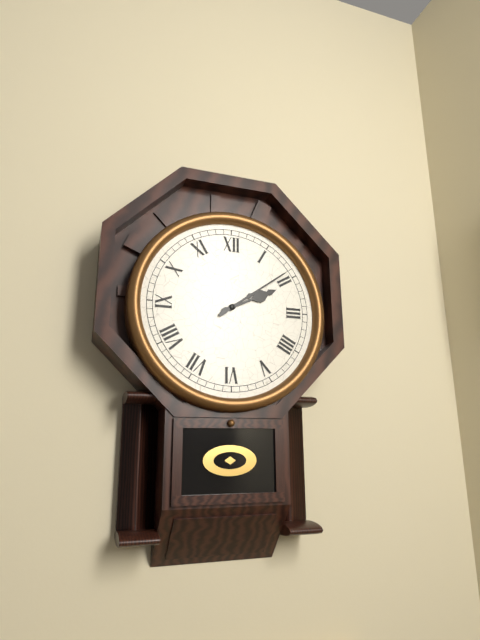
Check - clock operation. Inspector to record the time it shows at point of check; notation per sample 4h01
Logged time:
2h09
